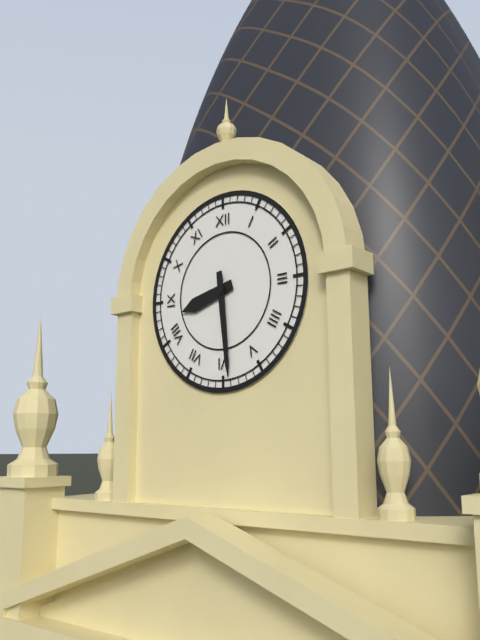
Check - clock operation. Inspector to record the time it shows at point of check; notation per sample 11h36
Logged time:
8h29
